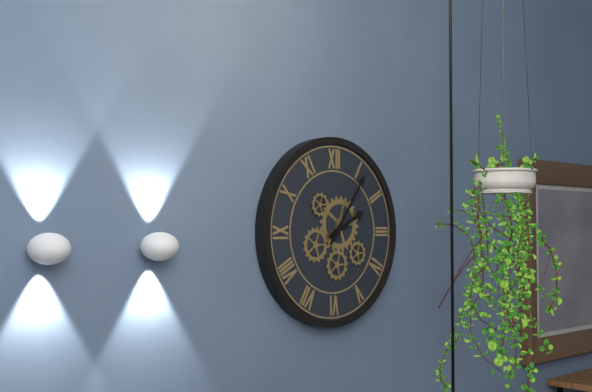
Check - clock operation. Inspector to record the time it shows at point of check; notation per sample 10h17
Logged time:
2h06
